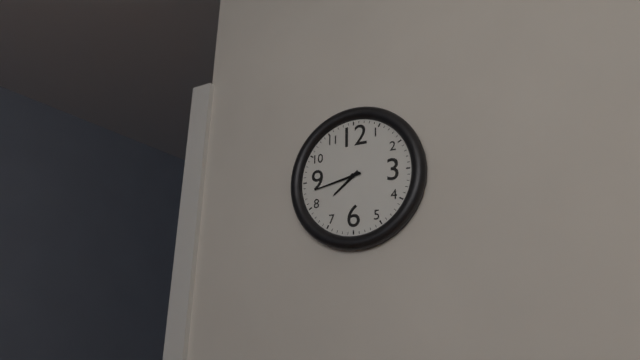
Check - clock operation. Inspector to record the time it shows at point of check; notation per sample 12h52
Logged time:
7h43
